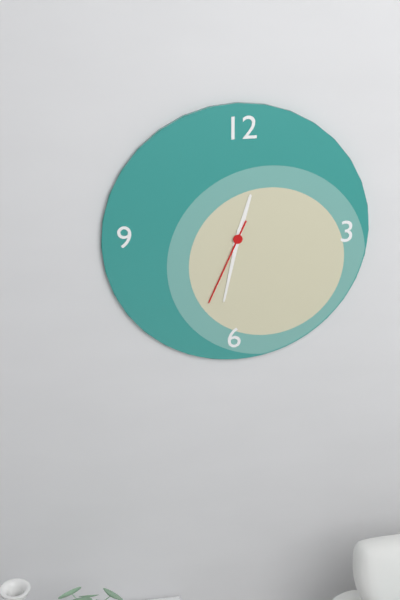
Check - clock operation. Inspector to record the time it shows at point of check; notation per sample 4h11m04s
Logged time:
12h32m34s
